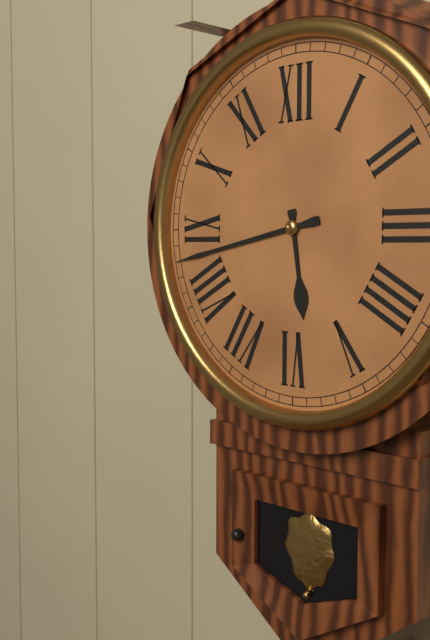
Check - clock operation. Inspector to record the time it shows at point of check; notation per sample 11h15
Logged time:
5h43
